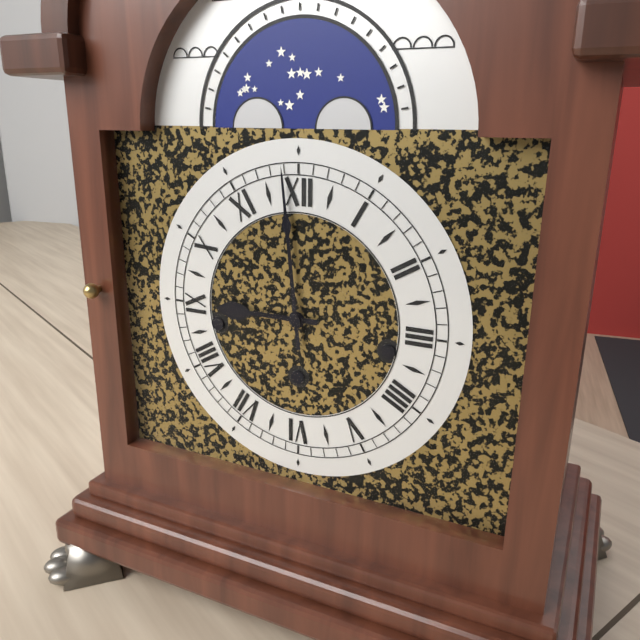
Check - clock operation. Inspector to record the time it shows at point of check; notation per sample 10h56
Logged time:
8h59
